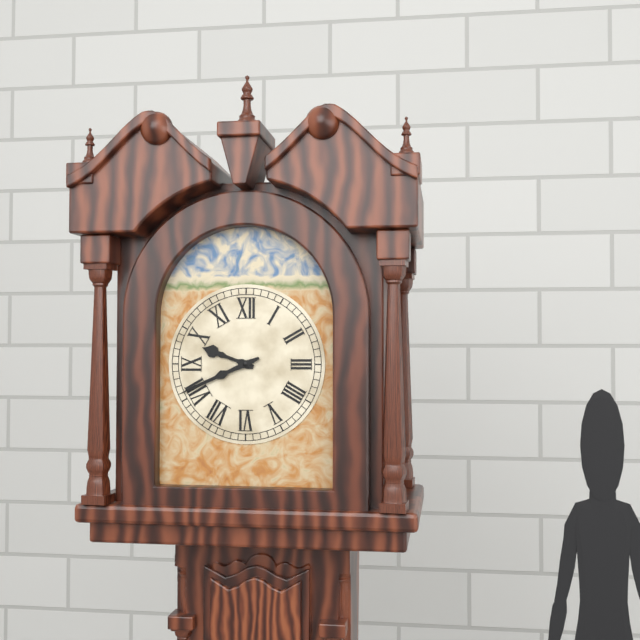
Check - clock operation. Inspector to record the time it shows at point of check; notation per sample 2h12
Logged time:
9h41
